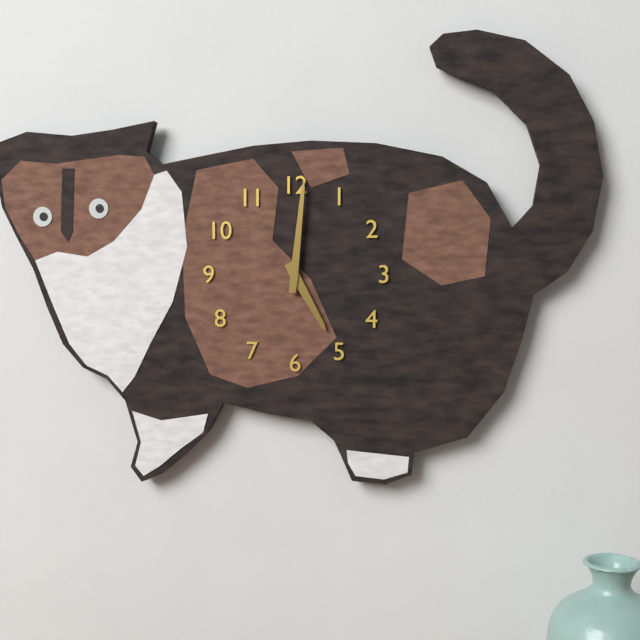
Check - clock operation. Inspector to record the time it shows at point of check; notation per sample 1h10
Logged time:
5h01
